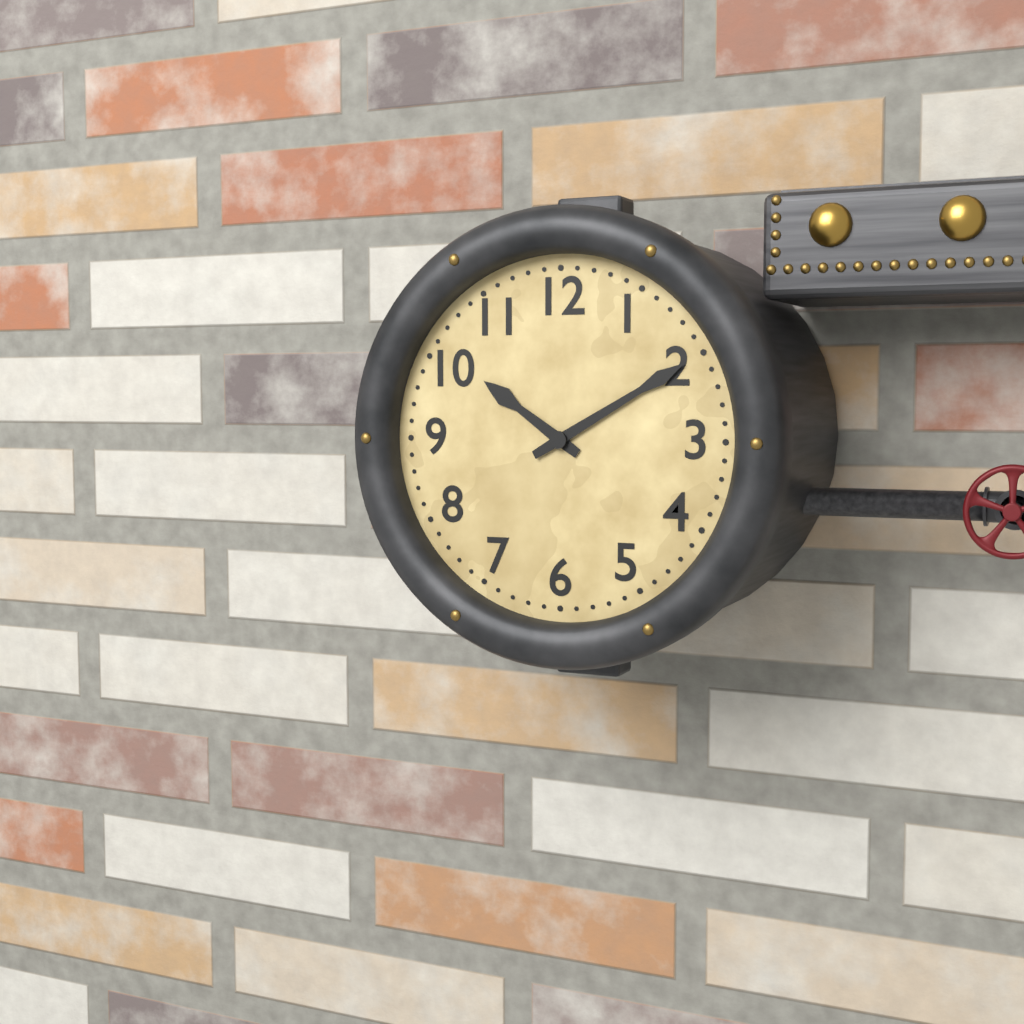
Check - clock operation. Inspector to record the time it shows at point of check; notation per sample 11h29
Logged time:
10h10
